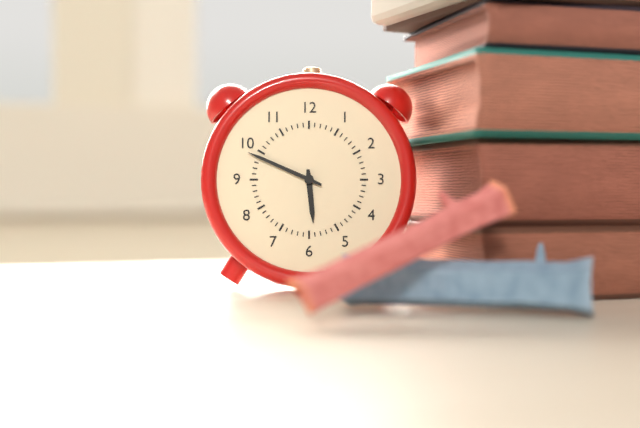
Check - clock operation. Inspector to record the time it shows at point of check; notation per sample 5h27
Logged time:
5h49
